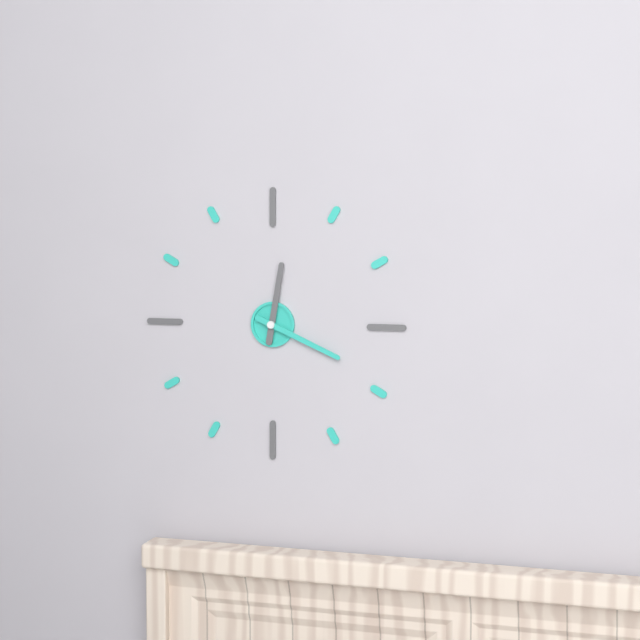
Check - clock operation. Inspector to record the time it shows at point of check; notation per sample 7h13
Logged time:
12h19
